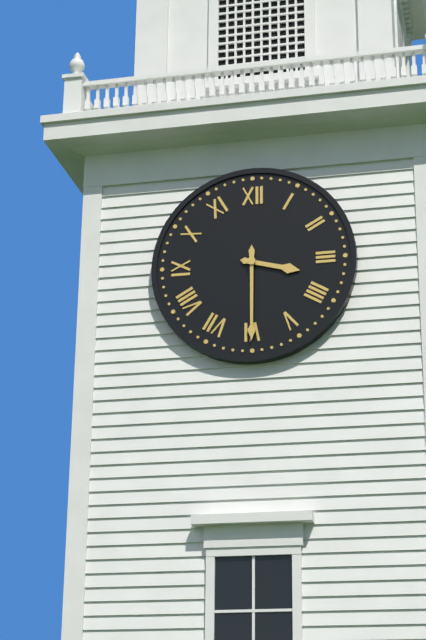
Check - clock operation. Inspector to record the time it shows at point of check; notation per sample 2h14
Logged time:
3h30
